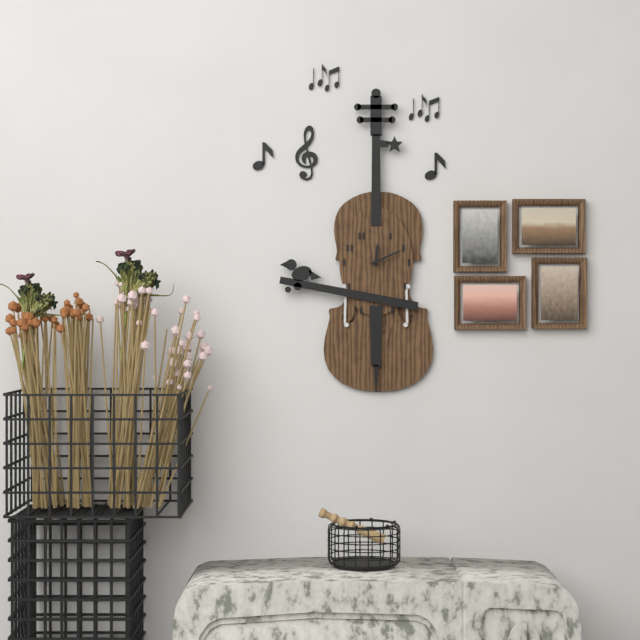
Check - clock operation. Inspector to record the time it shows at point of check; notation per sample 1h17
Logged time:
12h11
